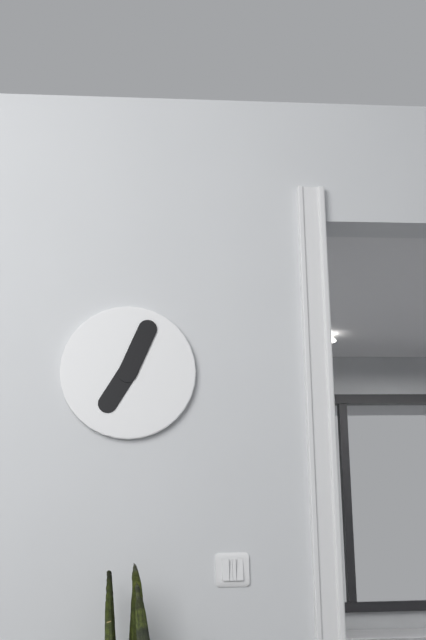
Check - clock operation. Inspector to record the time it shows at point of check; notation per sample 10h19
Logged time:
7h04
